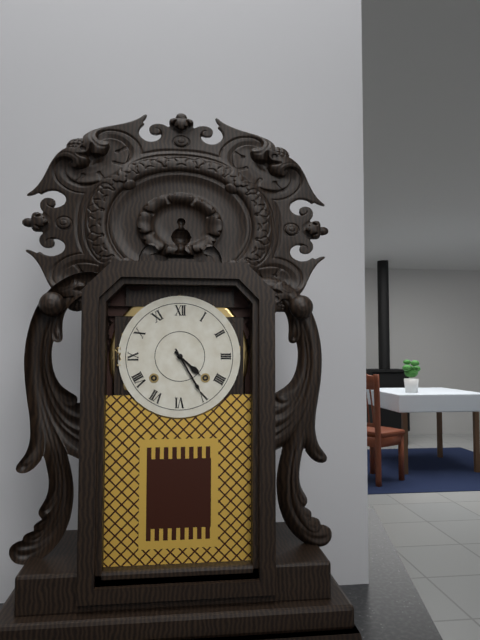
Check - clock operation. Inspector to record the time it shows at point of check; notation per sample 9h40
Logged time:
4h25
